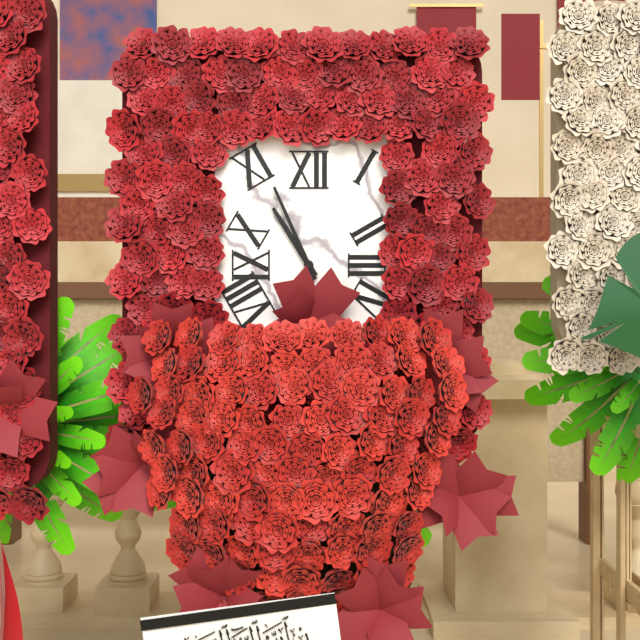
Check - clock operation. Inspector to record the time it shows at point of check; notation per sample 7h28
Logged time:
10h56
